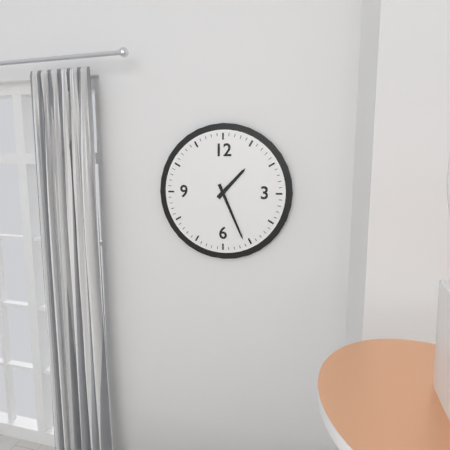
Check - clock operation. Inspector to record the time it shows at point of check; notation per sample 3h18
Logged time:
1h26
